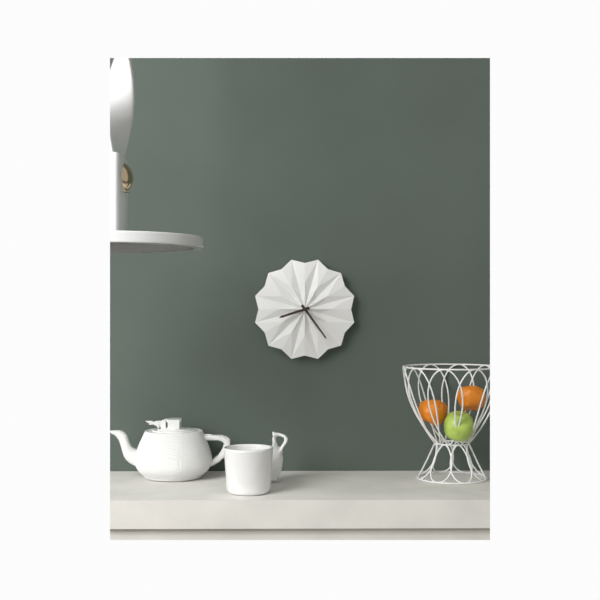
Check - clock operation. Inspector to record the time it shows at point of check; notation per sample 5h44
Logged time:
8h24
